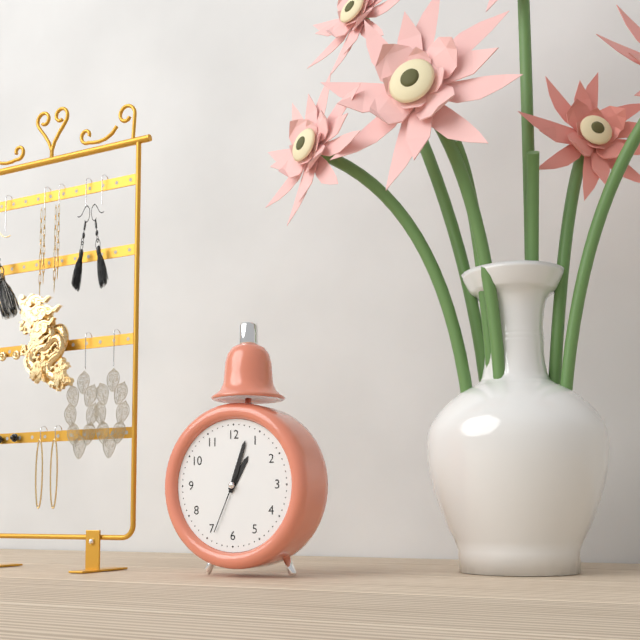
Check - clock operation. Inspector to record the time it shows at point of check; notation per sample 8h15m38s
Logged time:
1h03m34s
